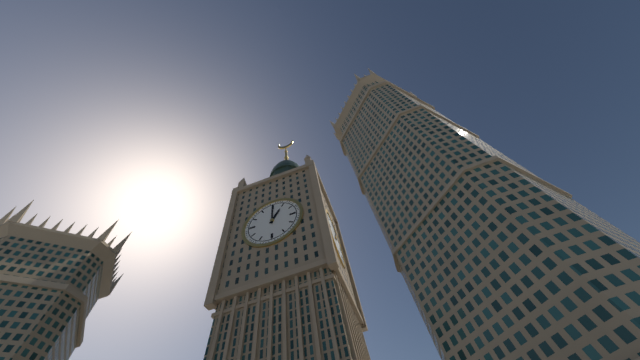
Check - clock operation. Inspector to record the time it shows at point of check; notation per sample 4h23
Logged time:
1h00
